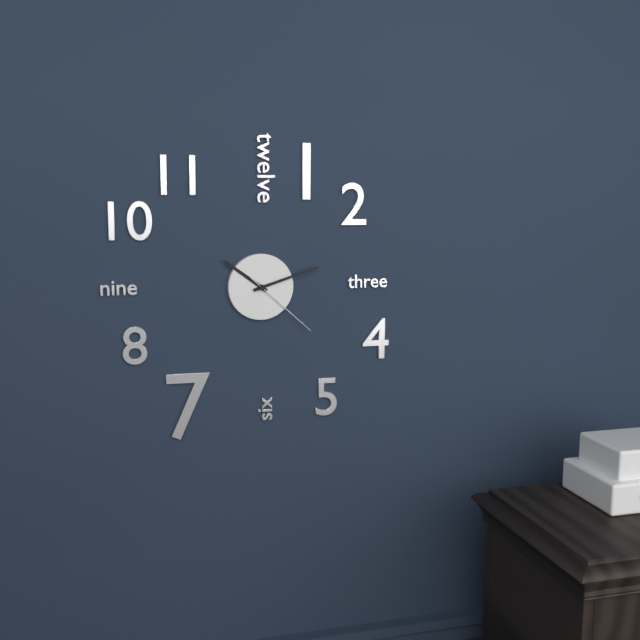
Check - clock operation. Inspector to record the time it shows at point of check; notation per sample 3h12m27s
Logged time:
10h12m22s
